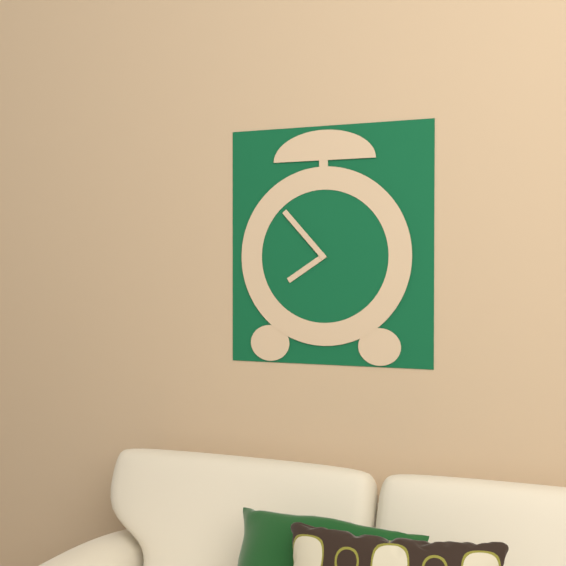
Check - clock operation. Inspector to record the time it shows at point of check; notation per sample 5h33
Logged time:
7h53
